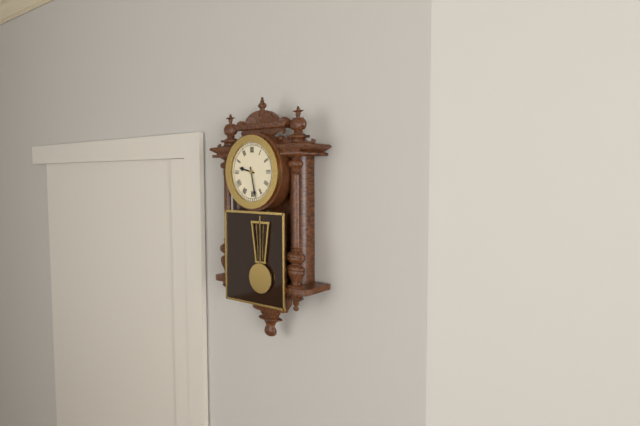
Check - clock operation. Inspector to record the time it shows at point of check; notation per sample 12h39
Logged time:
9h28
